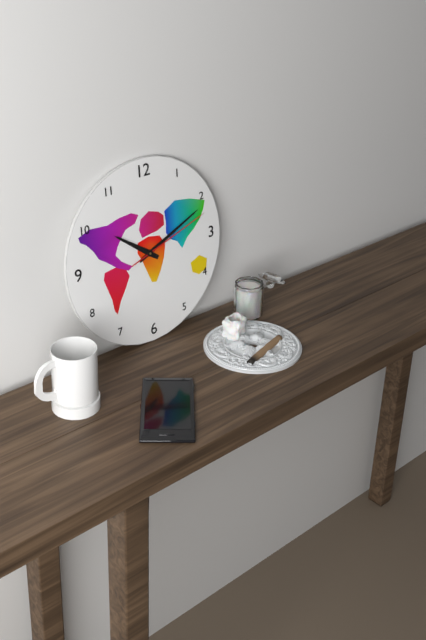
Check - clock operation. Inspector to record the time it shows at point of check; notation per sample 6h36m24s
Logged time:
10h11m12s
